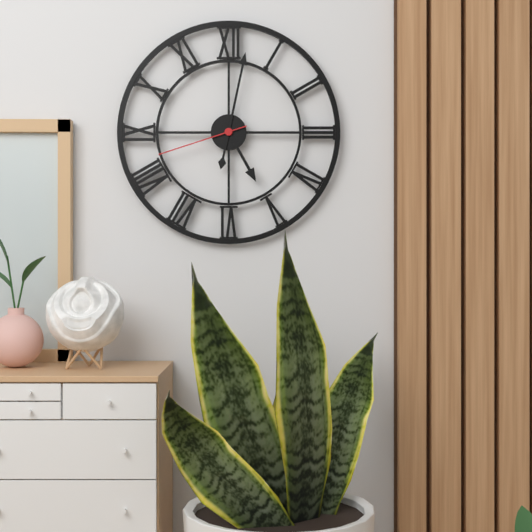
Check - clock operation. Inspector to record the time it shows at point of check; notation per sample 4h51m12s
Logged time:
5h02m42s
